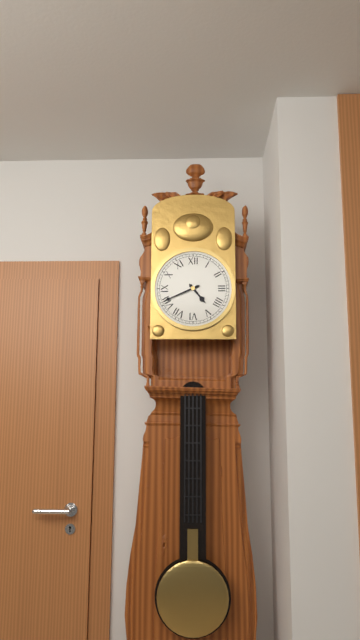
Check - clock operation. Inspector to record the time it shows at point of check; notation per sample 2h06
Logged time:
4h41
